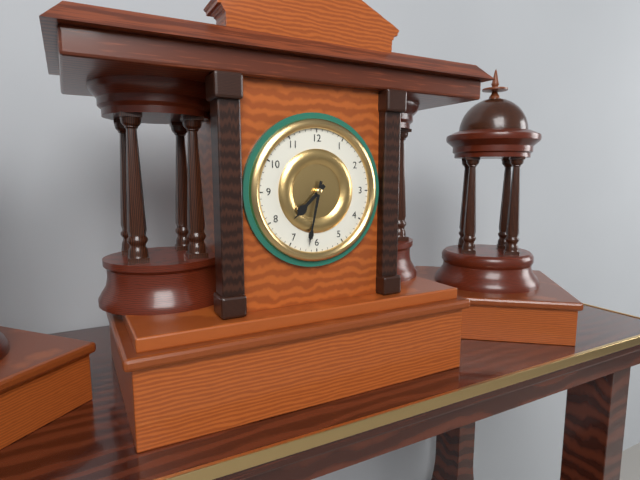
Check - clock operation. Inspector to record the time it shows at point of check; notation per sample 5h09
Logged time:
7h32
